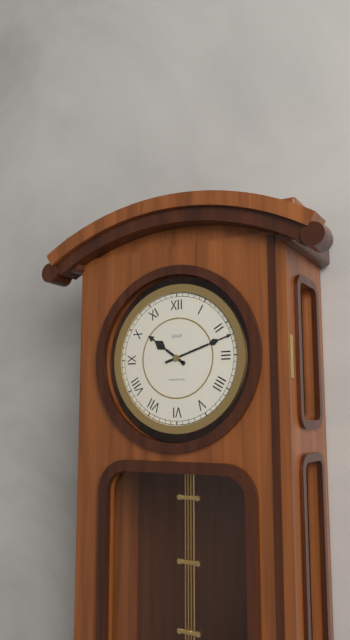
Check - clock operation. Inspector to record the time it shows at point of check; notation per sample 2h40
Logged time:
10h12
